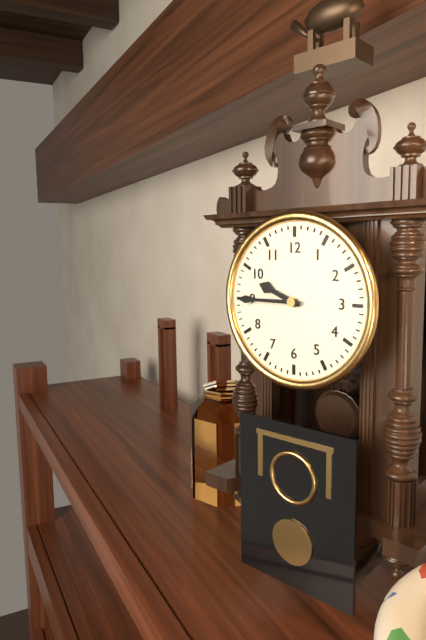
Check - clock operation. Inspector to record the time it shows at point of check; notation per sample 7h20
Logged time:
9h45
